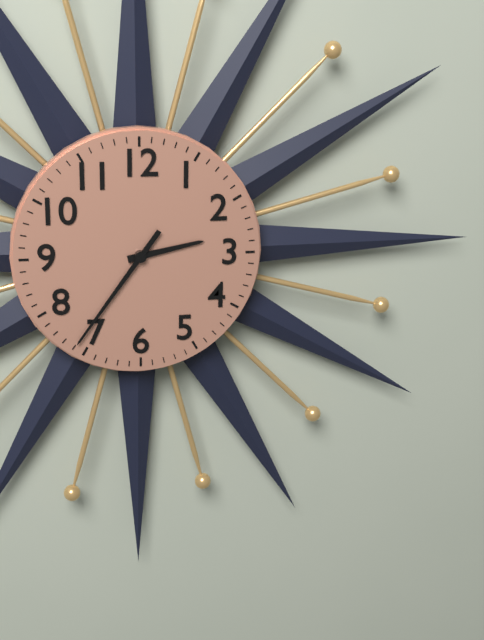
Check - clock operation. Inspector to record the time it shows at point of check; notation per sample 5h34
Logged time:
2h36
